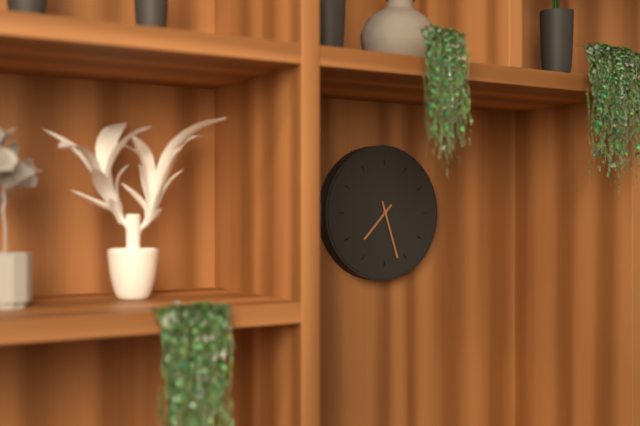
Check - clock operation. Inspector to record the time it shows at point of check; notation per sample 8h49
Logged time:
7h27
